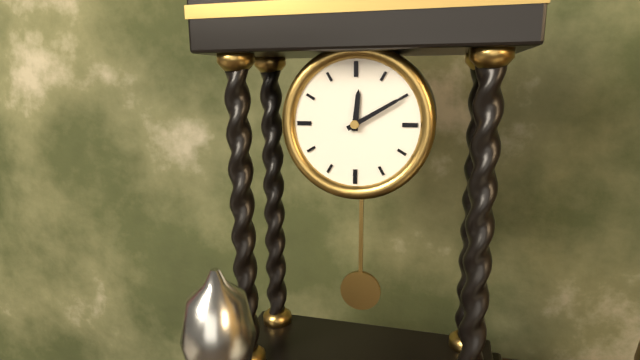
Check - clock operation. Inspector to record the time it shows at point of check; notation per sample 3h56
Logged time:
12h10
